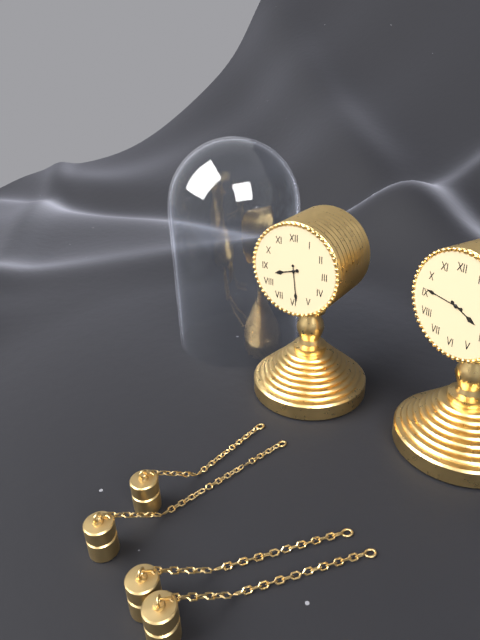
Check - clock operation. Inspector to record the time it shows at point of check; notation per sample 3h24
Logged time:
8h29
